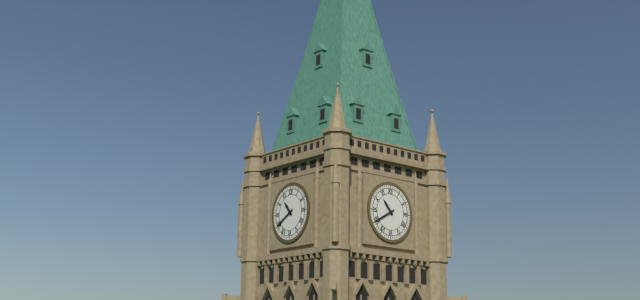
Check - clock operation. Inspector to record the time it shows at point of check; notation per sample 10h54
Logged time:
10h40
